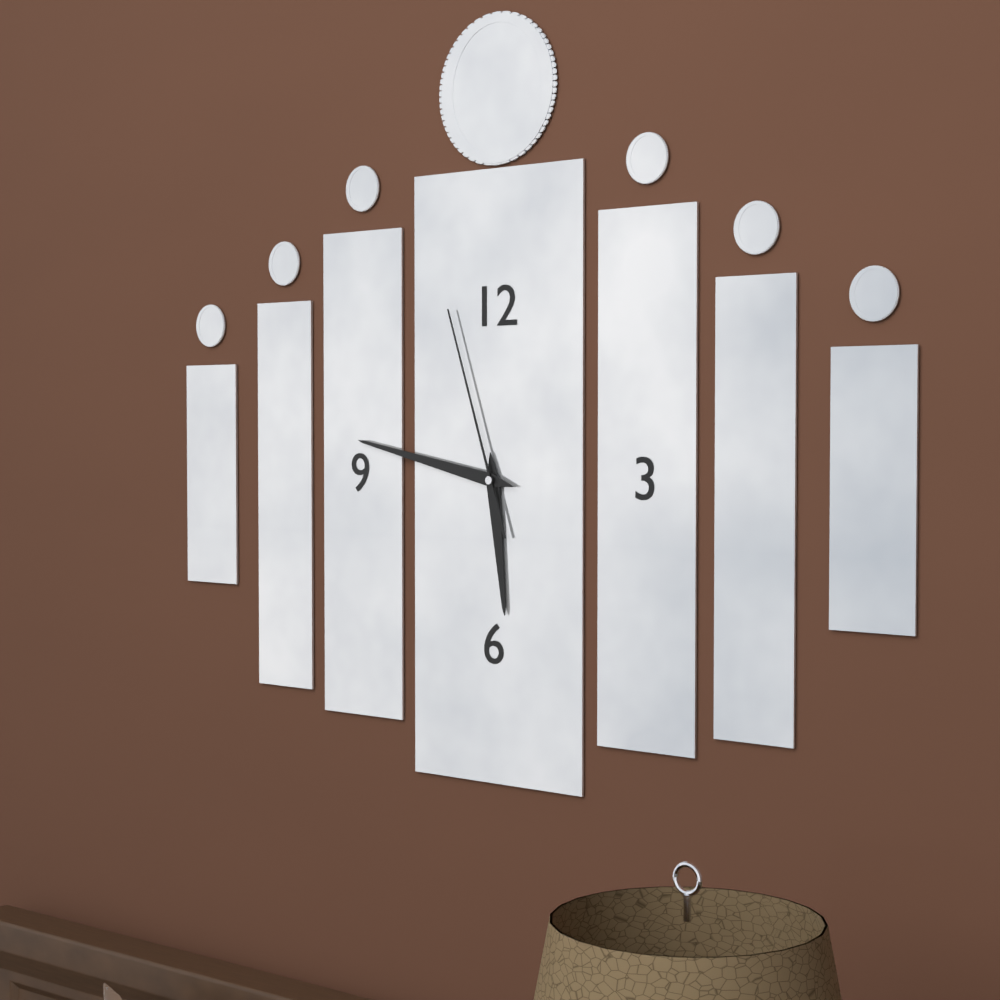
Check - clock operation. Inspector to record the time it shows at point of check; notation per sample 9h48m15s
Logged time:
5h47m57s
